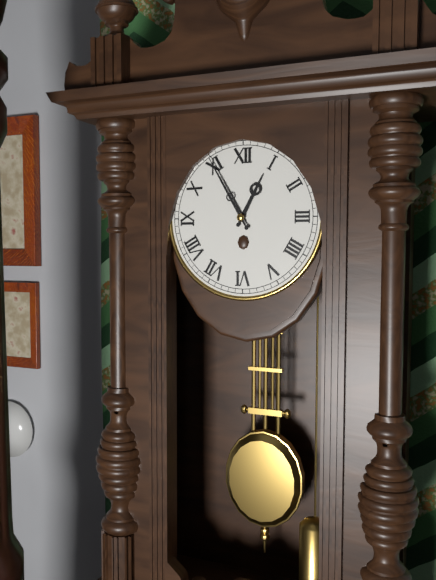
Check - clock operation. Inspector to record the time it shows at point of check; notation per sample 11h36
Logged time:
12h55
